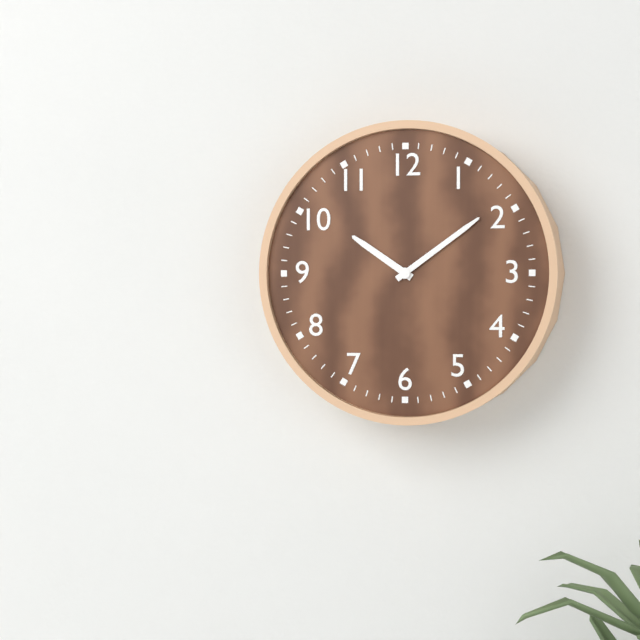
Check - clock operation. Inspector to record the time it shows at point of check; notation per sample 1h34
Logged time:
10h09
